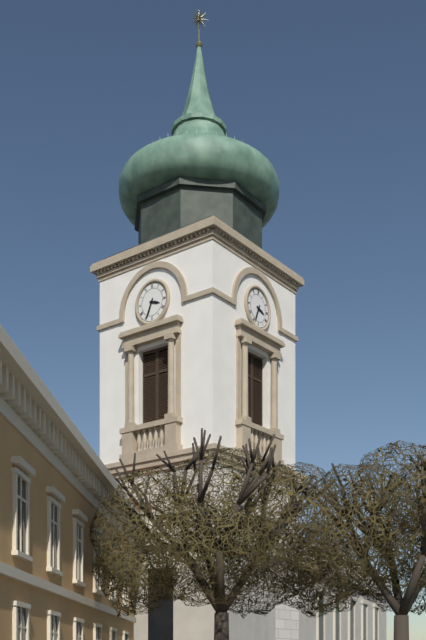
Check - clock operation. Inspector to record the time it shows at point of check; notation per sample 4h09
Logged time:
3h34
